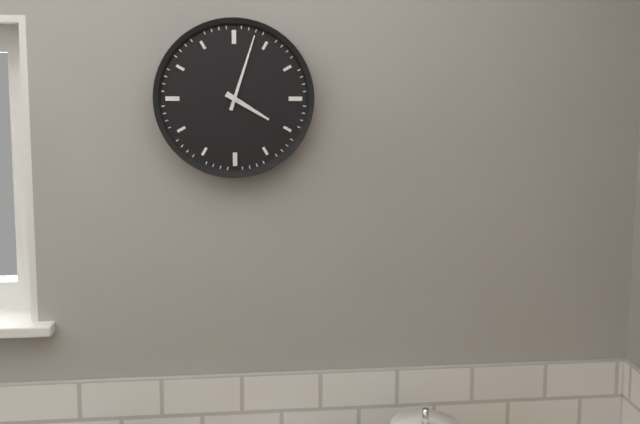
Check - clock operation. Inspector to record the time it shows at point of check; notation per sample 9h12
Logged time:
4h03
